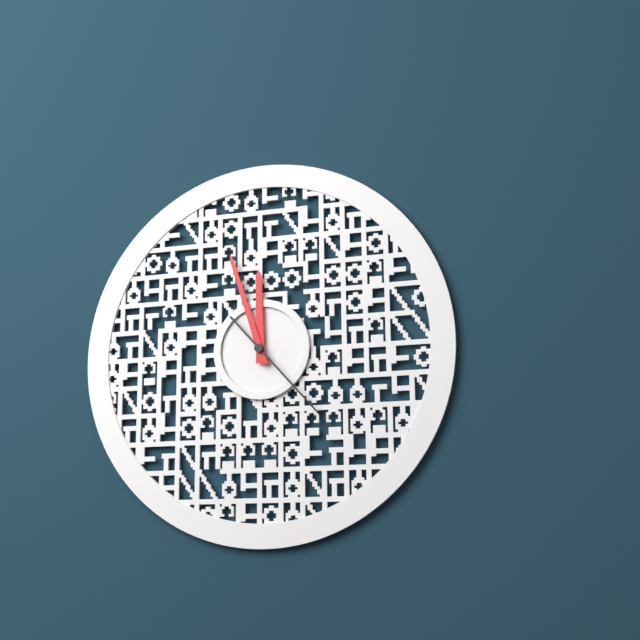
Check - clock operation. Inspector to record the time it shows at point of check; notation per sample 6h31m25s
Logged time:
11h57m23s
